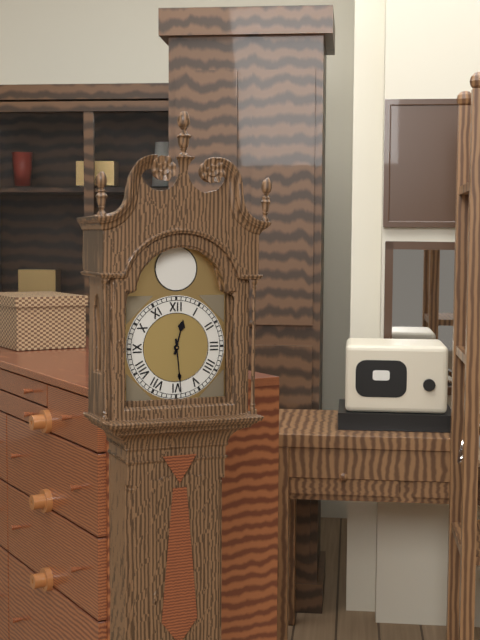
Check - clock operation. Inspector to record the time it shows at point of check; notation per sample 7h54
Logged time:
12h29
